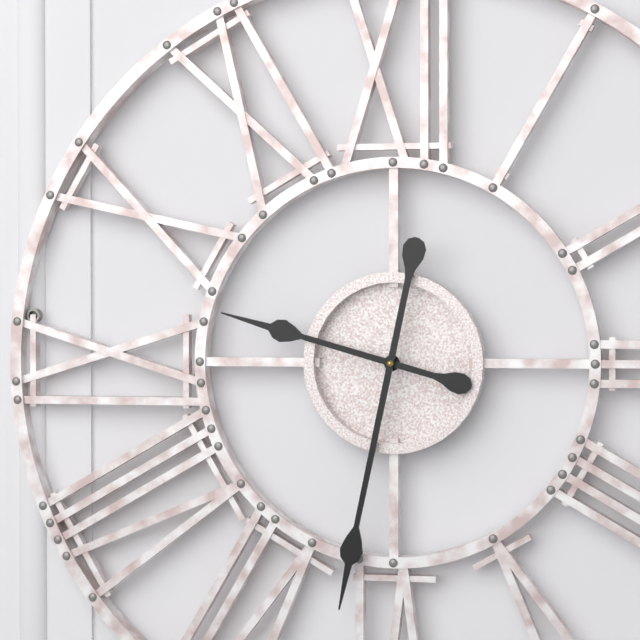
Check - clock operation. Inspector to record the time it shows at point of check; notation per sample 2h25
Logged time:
9h32
